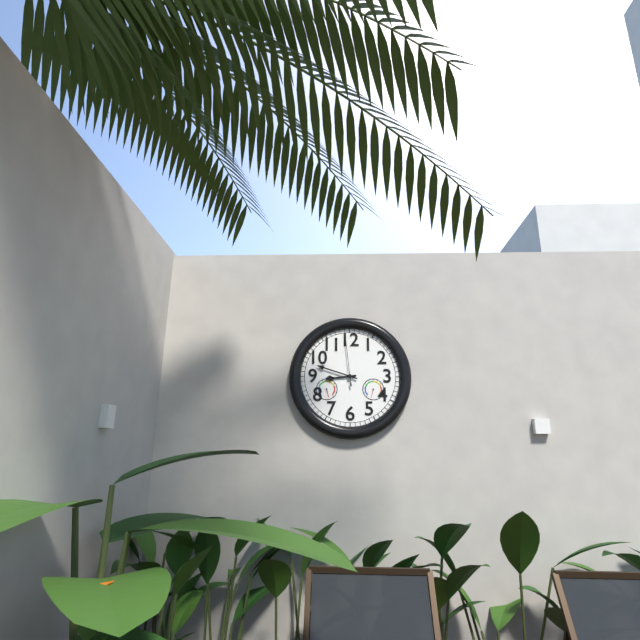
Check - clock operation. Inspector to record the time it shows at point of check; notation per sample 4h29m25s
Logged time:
8h48m59s
